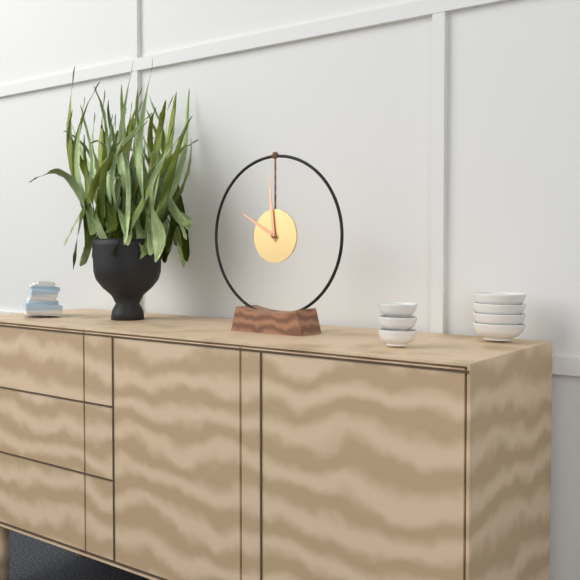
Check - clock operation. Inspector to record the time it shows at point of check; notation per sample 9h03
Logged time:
9h59
